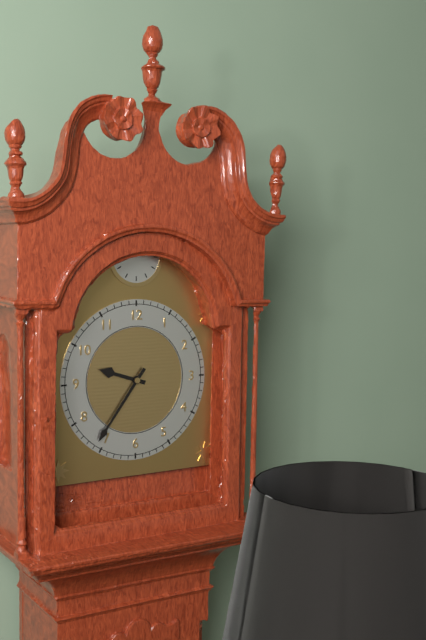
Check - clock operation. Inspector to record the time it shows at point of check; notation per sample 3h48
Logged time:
9h36
